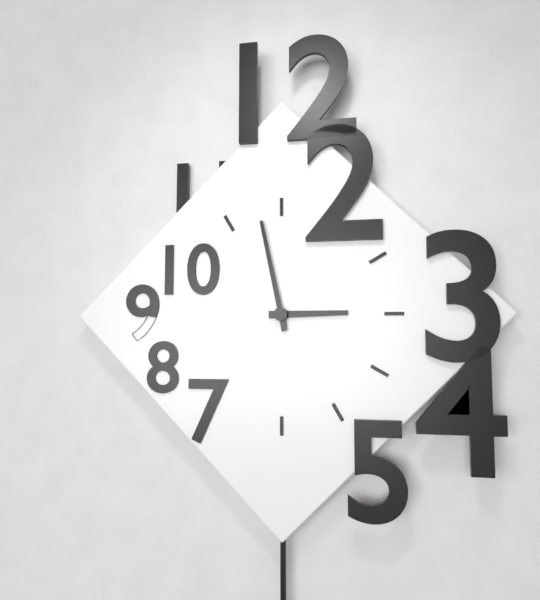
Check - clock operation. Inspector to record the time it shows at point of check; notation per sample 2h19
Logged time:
2h58
